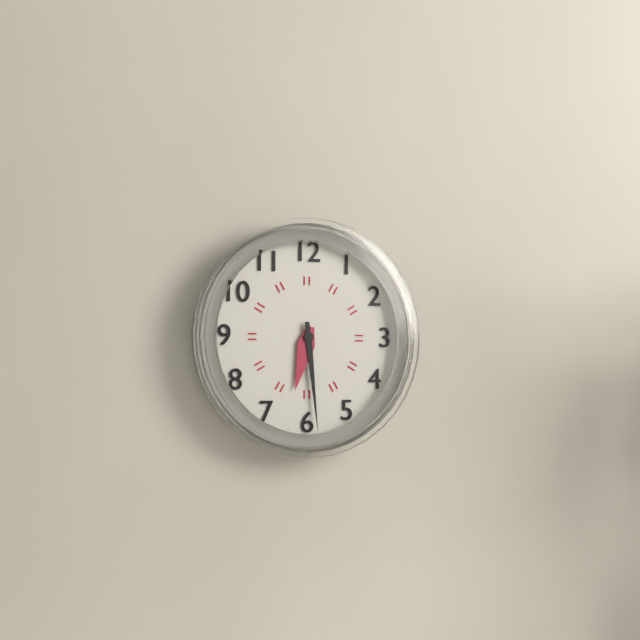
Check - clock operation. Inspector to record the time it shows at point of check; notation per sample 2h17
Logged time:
6h29
